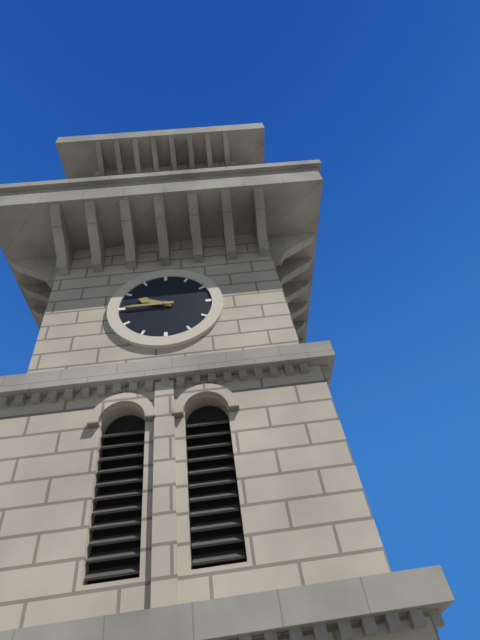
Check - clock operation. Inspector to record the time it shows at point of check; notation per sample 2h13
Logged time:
9h45
